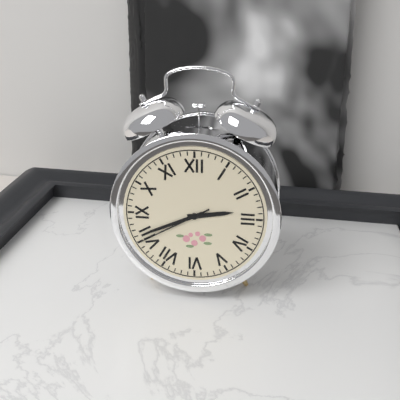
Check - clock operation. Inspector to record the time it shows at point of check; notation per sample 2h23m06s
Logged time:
2h41m40s
